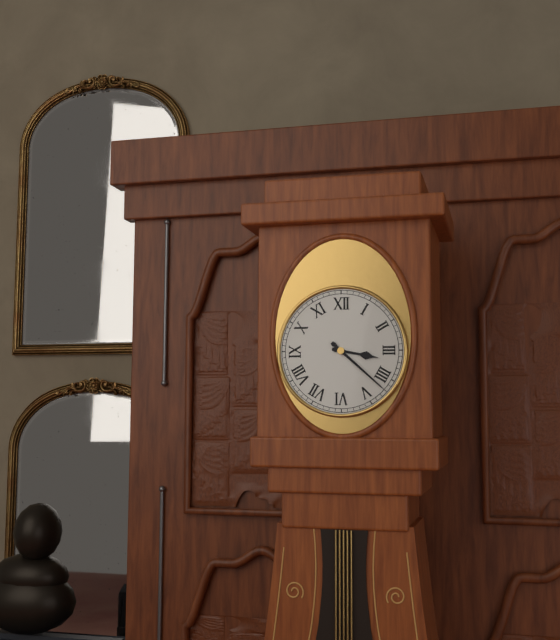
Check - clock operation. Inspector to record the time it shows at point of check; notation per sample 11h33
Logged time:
3h22
